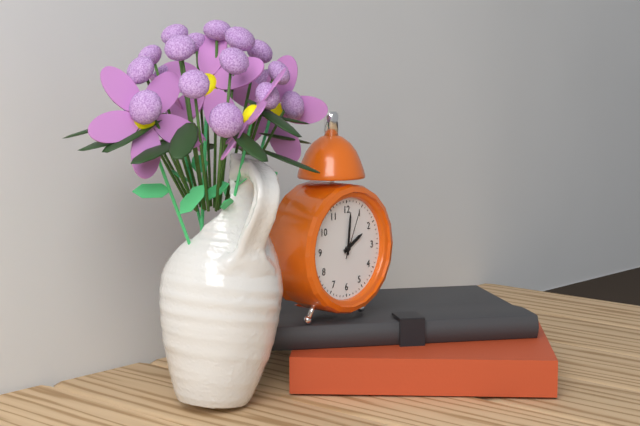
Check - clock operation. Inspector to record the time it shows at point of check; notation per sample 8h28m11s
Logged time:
2h01m04s
